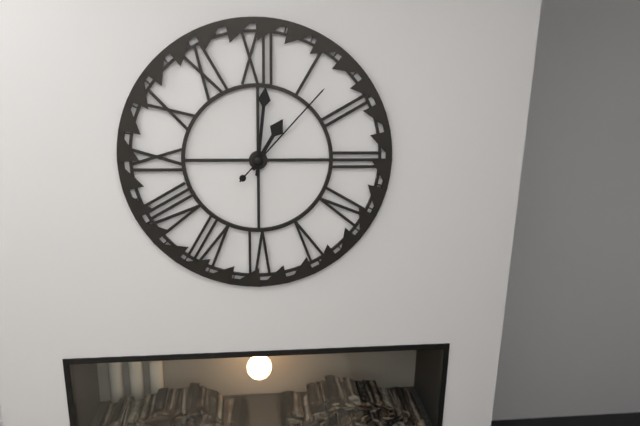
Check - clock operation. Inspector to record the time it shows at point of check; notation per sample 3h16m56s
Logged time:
1h01m07s
